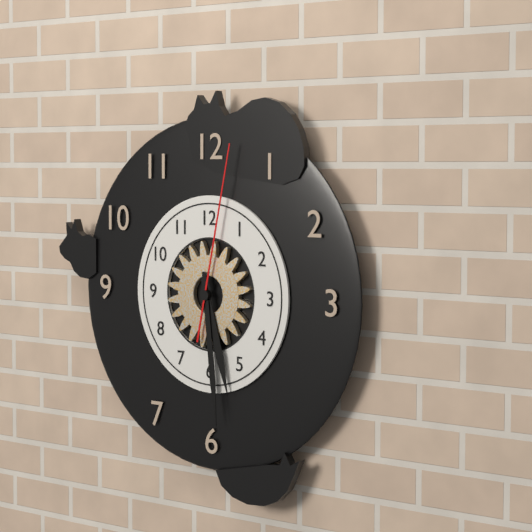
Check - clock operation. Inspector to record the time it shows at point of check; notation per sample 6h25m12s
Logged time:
5h29m02s
